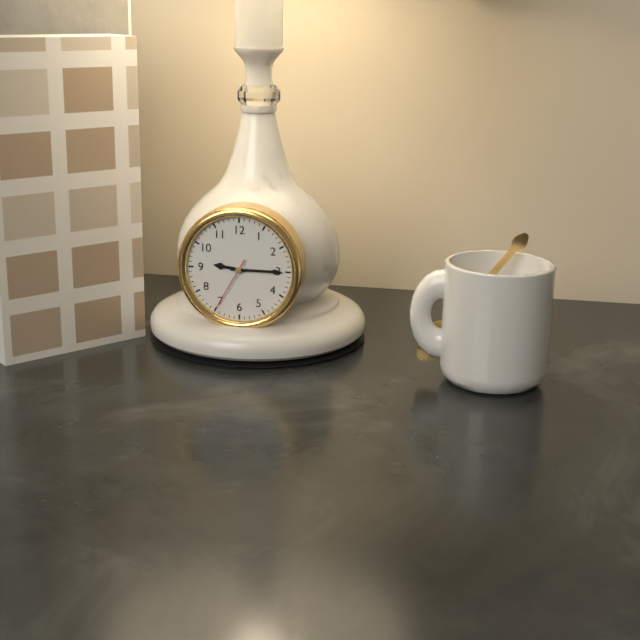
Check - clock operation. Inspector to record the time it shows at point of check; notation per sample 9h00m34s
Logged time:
9h15m35s
